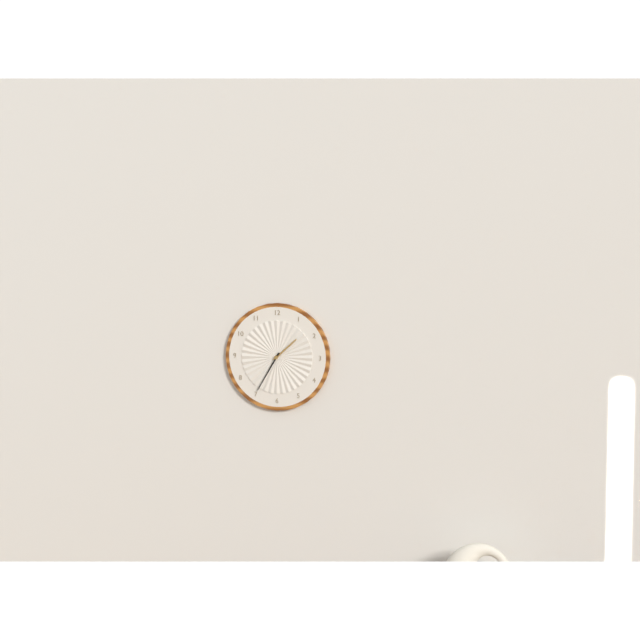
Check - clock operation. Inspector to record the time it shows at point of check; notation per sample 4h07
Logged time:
1h35
